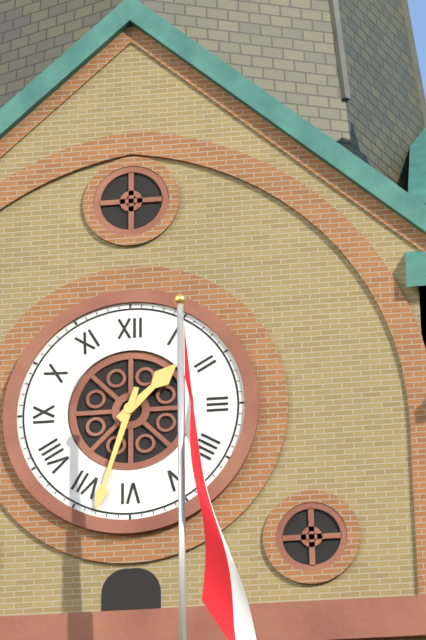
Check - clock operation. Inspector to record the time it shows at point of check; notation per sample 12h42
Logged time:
1h33
